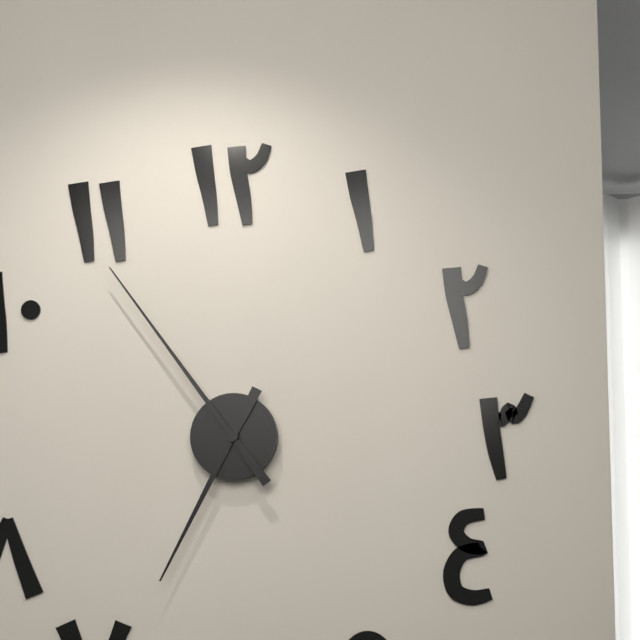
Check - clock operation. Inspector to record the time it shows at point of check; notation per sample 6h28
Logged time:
6h54
